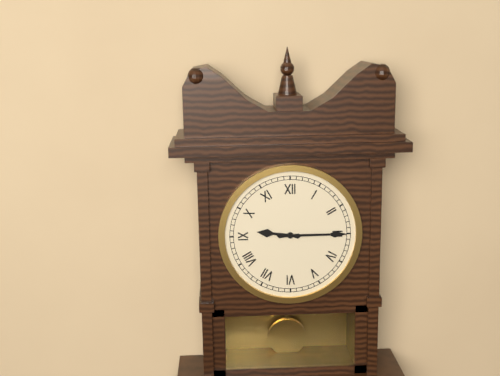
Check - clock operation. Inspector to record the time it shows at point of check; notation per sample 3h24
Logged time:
9h15
